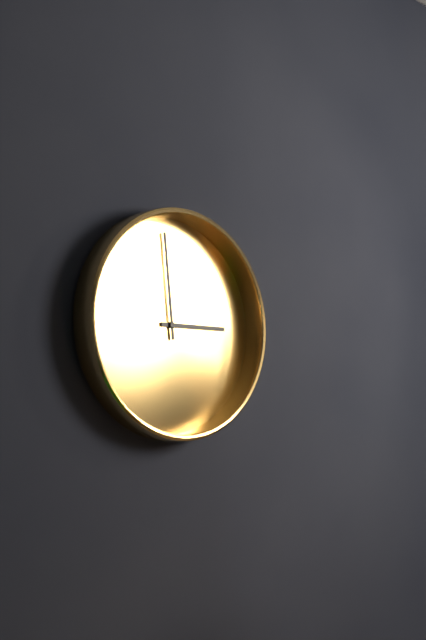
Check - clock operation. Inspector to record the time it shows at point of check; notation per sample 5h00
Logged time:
2h59
